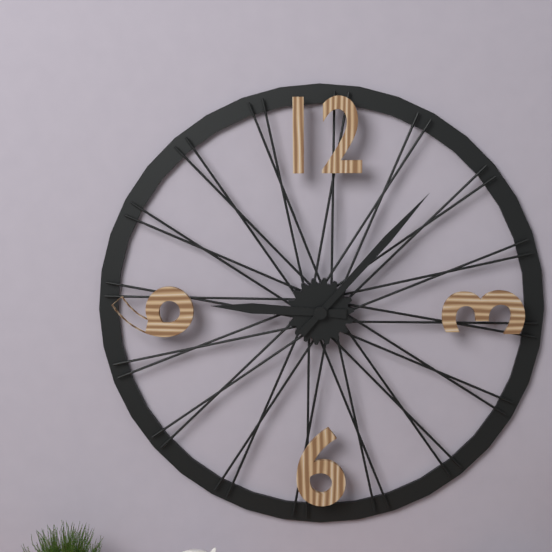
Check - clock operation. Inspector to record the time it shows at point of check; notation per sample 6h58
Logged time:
9h07
